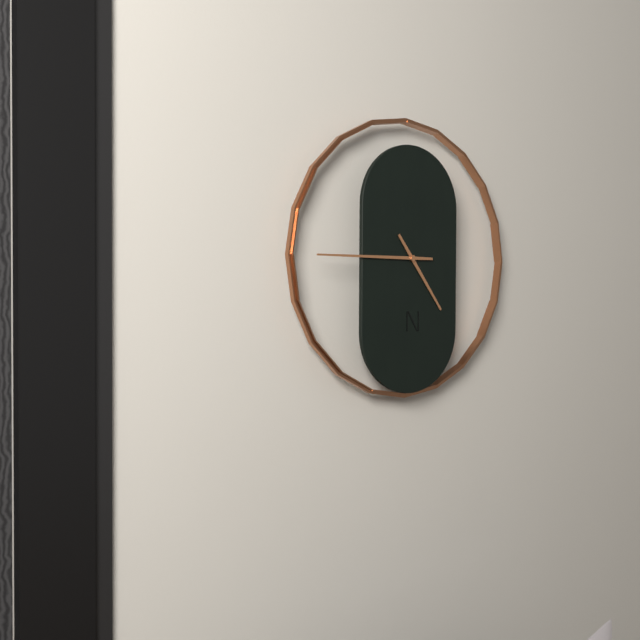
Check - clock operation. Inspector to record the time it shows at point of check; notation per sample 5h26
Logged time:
4h45
